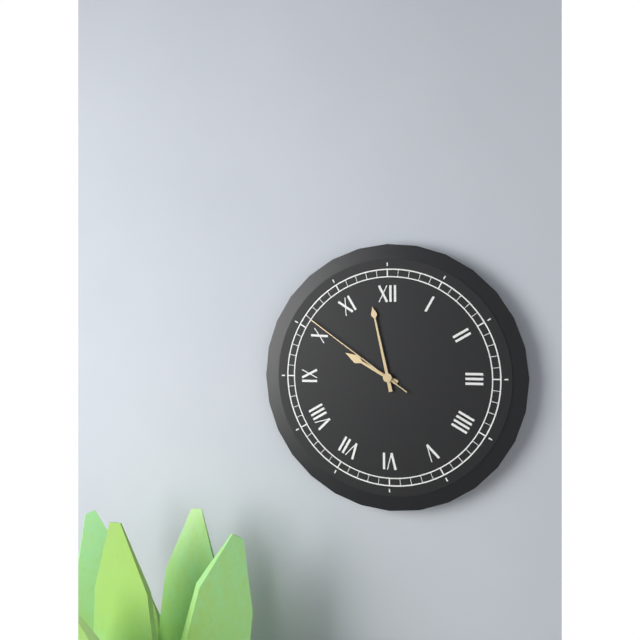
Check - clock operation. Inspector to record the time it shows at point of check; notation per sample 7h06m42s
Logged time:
9h58m51s
